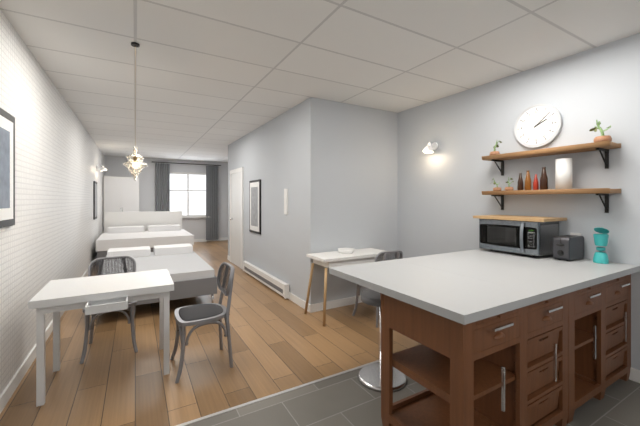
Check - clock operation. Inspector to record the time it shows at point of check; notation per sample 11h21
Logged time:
2h08
